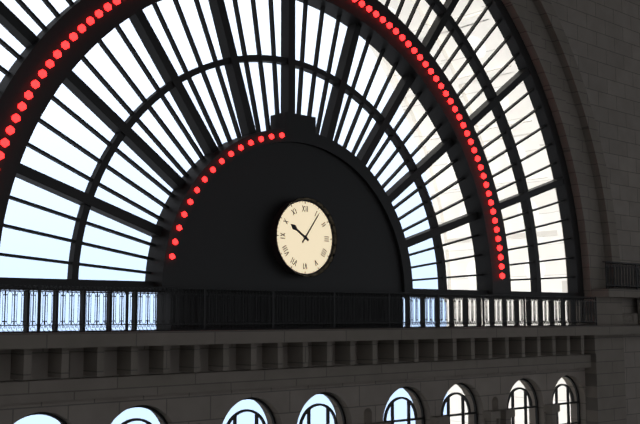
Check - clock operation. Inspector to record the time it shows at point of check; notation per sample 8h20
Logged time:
10h06
